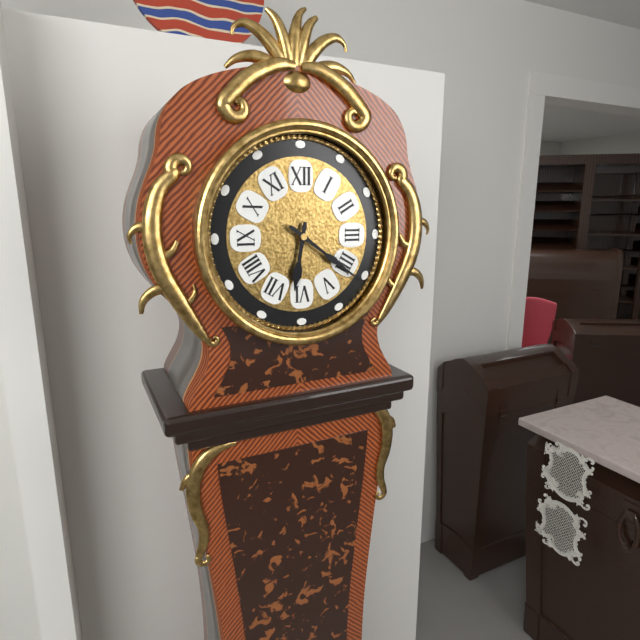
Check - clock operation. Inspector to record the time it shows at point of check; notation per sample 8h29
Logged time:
6h21
